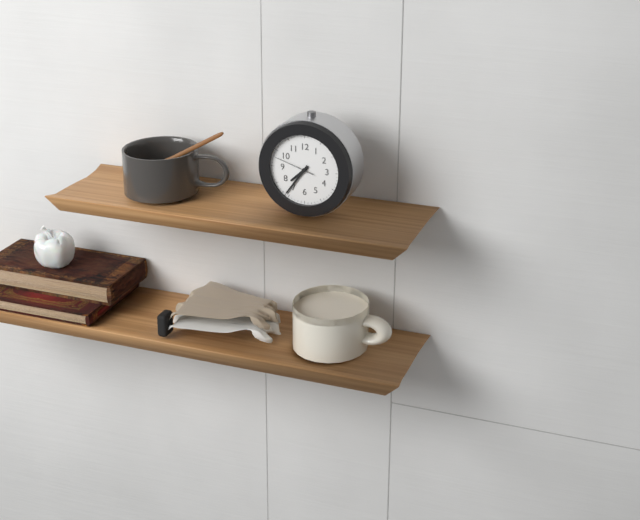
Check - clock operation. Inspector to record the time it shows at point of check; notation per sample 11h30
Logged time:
7h36
